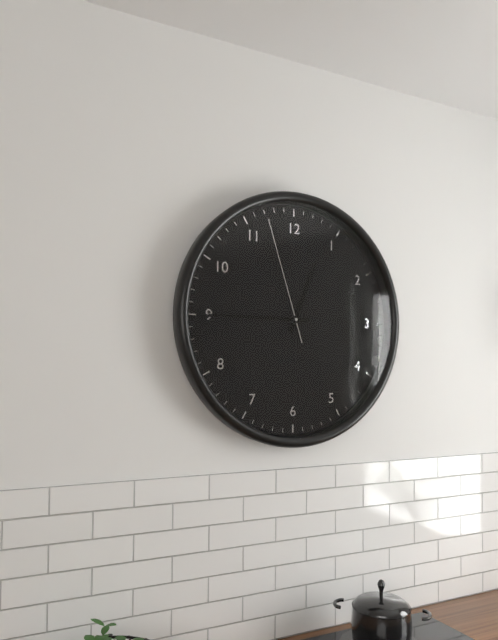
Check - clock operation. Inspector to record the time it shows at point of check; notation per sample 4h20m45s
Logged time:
12h45m57s
